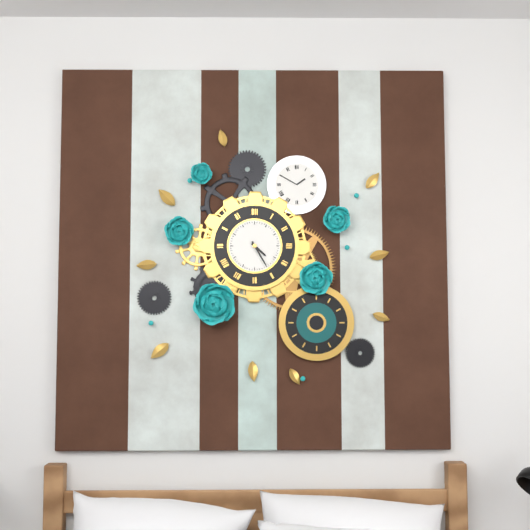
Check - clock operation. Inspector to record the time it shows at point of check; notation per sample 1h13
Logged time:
4h25
